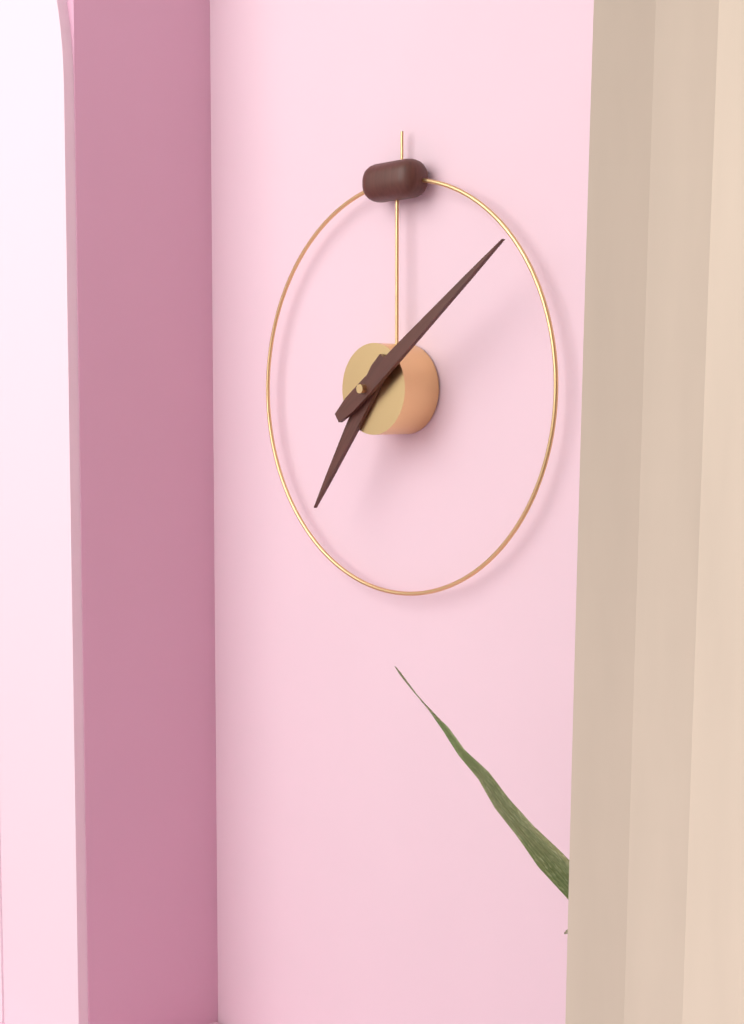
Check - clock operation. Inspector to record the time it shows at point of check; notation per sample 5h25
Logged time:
7h09
